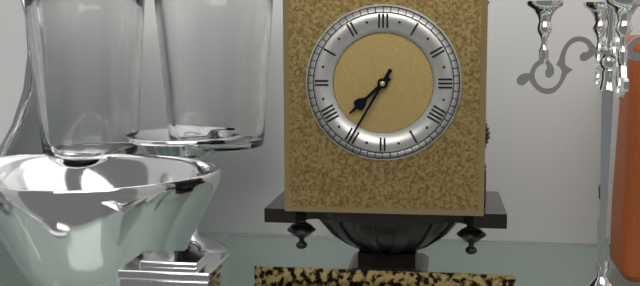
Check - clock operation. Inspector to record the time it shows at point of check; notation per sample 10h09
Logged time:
7h35
